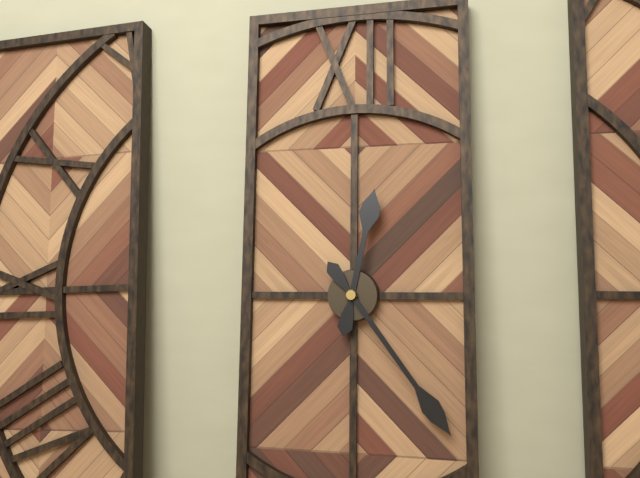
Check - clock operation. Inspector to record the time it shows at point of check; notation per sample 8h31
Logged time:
12h24
